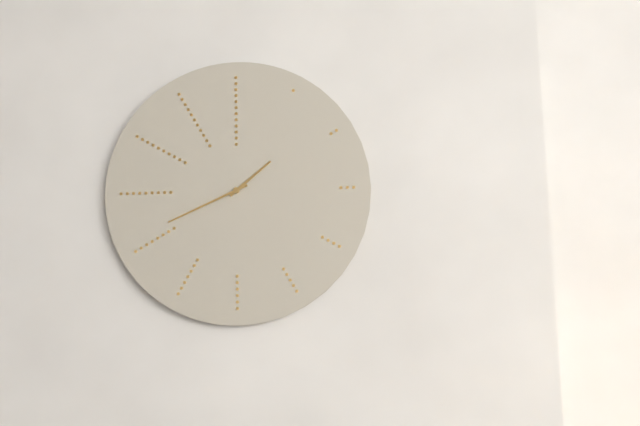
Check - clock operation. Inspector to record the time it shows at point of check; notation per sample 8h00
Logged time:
1h41
